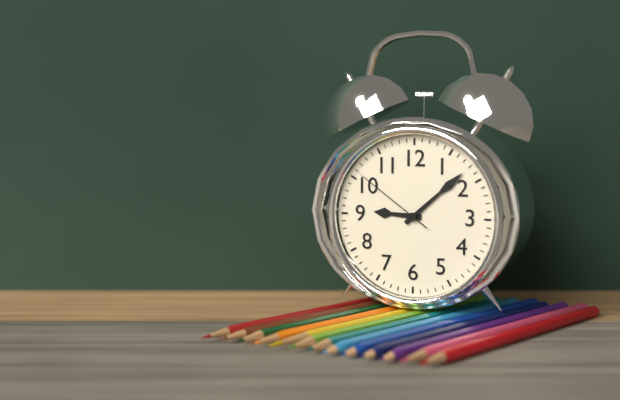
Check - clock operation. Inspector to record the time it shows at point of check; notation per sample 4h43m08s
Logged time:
9h08m51s
